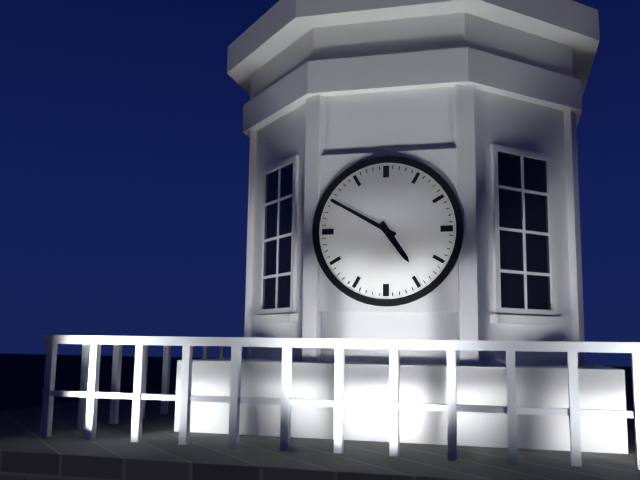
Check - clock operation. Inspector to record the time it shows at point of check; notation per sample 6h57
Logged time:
4h50
